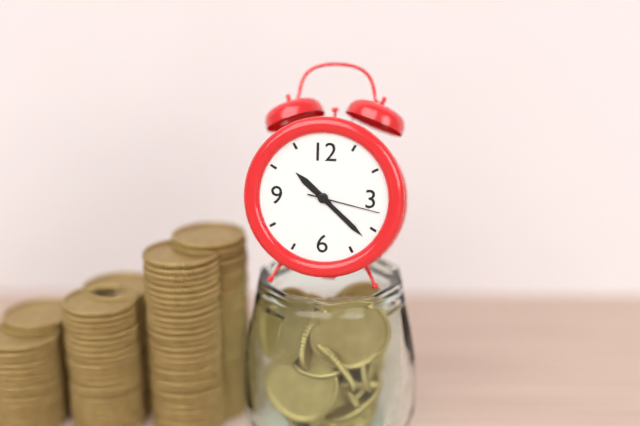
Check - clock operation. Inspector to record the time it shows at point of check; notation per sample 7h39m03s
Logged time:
10h22m17s
